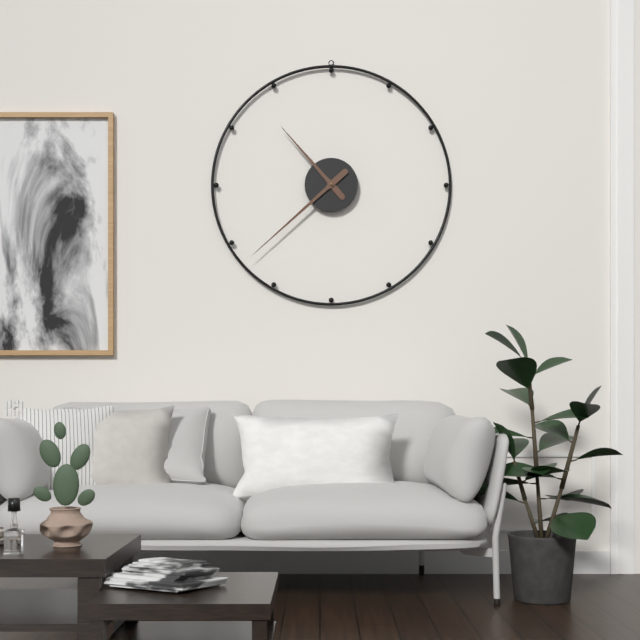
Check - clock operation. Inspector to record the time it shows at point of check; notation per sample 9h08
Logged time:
10h38
